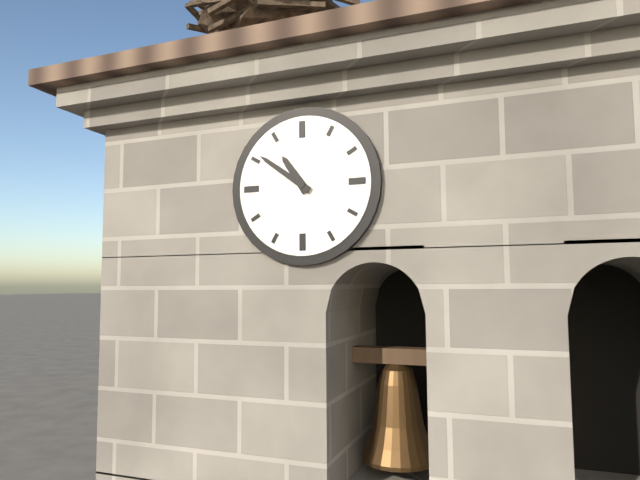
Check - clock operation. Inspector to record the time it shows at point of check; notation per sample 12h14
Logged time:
10h51
